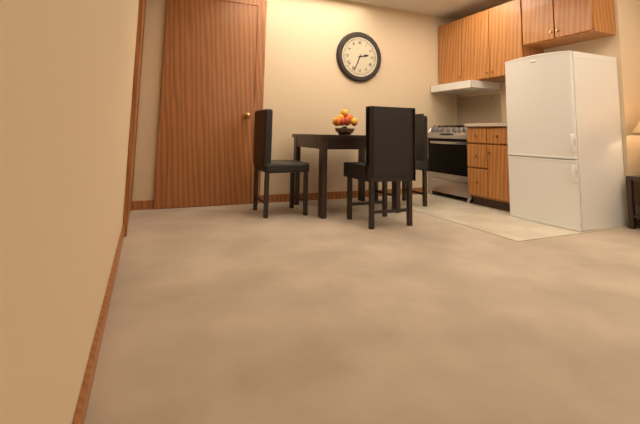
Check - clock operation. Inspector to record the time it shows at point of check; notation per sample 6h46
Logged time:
2h34
